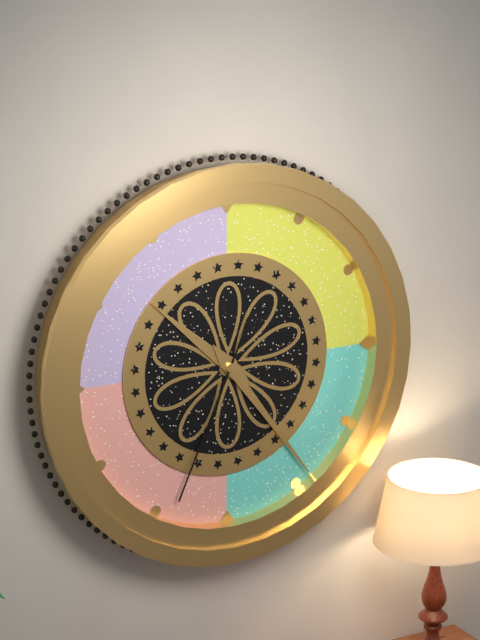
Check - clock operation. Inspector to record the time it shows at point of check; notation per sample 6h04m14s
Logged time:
10h24m34s
